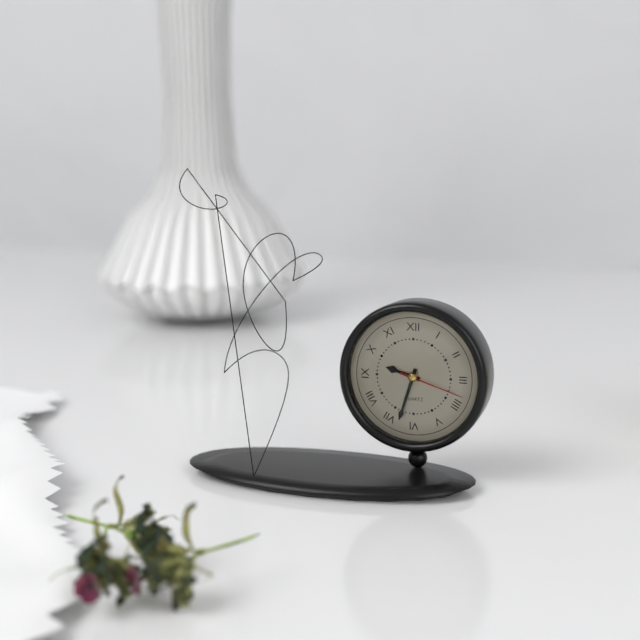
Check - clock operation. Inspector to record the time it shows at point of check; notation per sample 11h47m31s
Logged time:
9h33m18s
